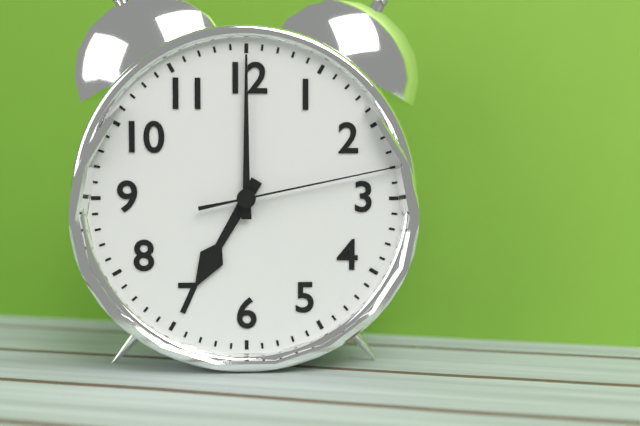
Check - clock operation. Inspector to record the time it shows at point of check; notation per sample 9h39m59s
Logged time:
7h00m13s
